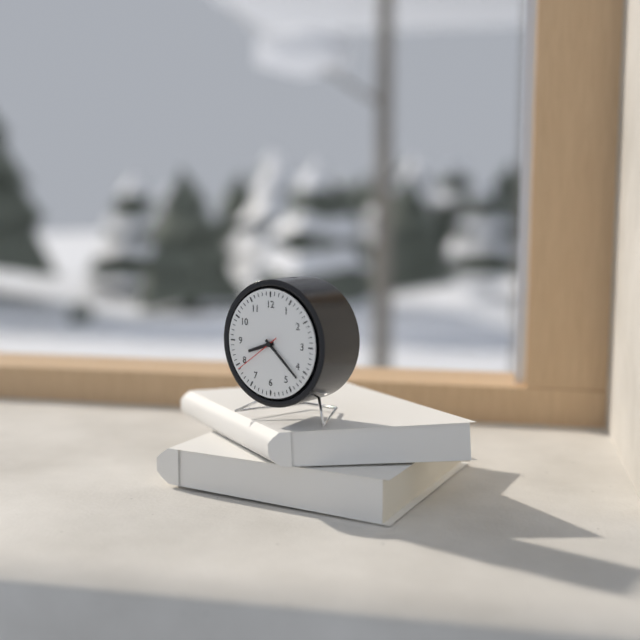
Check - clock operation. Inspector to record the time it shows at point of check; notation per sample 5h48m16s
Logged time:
8h22m39s
